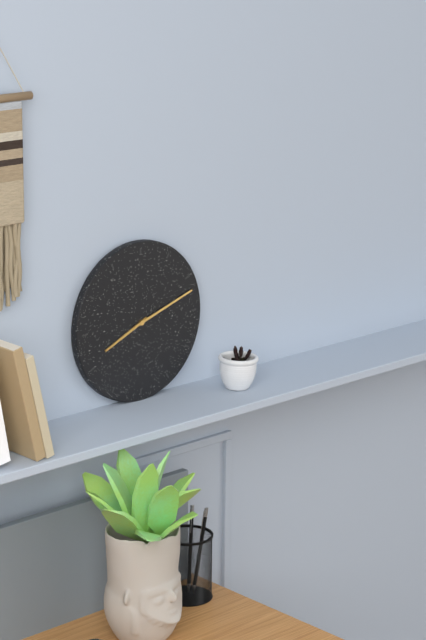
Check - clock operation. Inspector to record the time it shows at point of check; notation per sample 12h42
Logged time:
8h12
